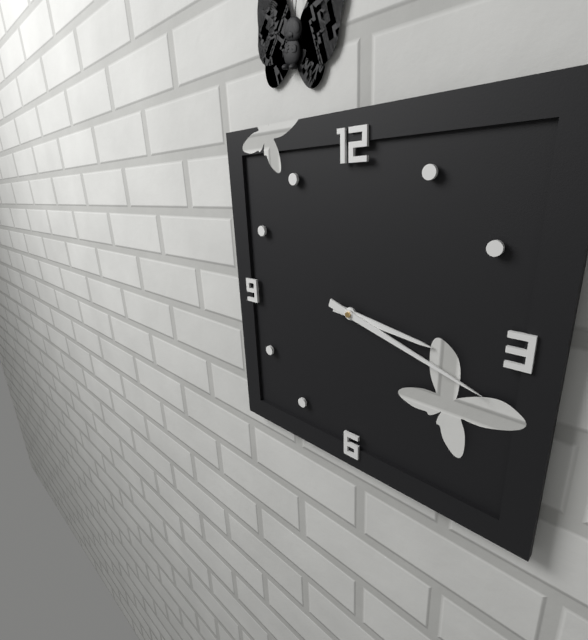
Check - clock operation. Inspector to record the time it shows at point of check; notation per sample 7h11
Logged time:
3h18
